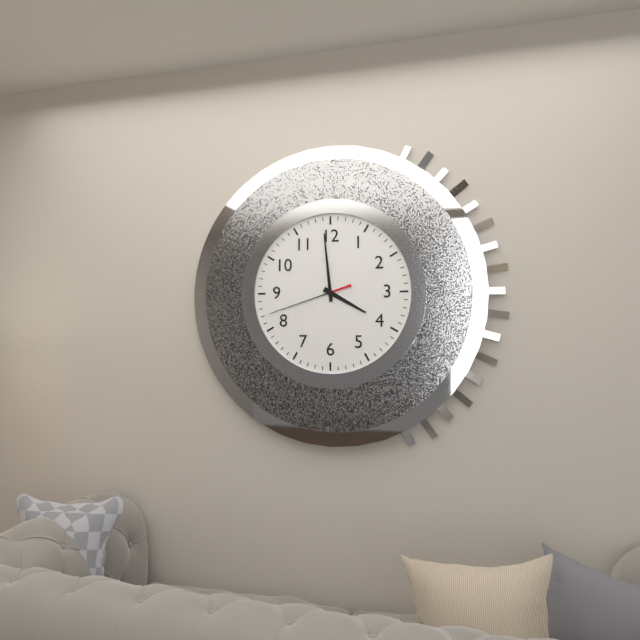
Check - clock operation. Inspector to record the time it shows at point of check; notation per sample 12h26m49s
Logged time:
3h59m42s
